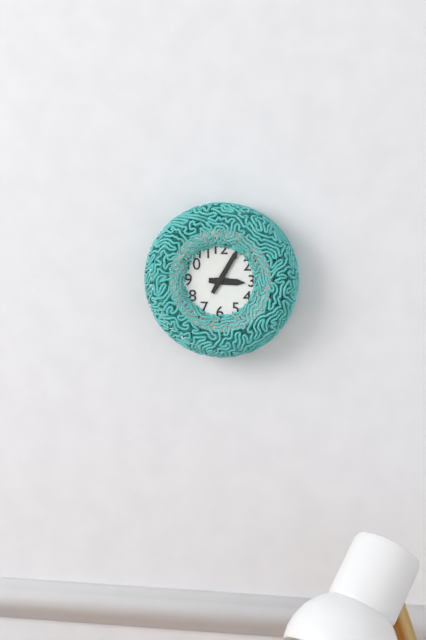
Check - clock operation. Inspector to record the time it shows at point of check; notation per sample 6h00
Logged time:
3h05
